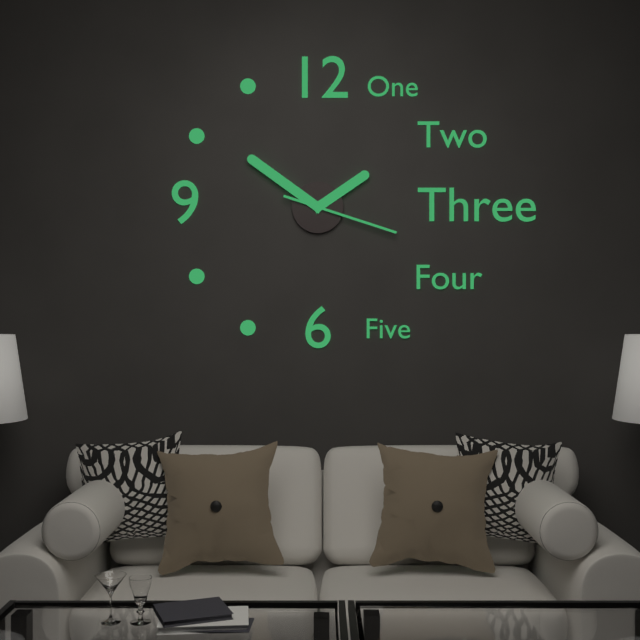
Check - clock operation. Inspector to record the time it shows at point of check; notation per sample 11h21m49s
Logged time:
1h51m18s
